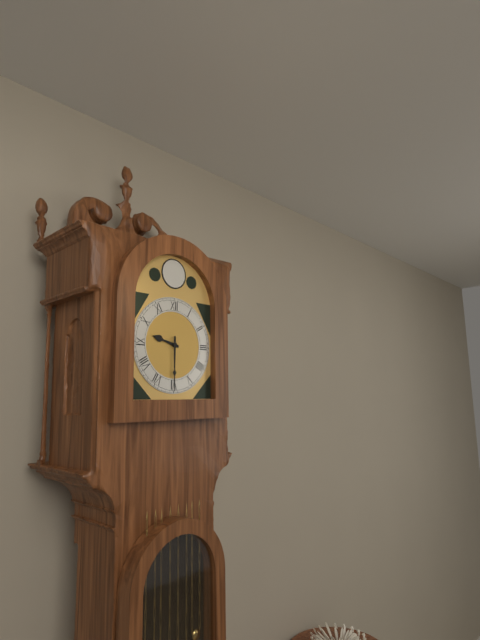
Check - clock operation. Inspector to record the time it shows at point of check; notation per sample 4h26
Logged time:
9h30
